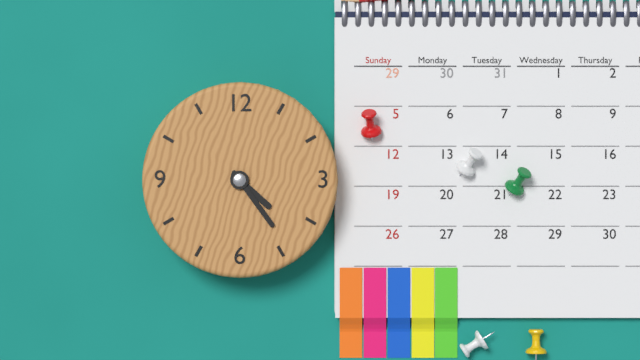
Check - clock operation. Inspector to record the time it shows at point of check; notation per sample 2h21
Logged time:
4h24
